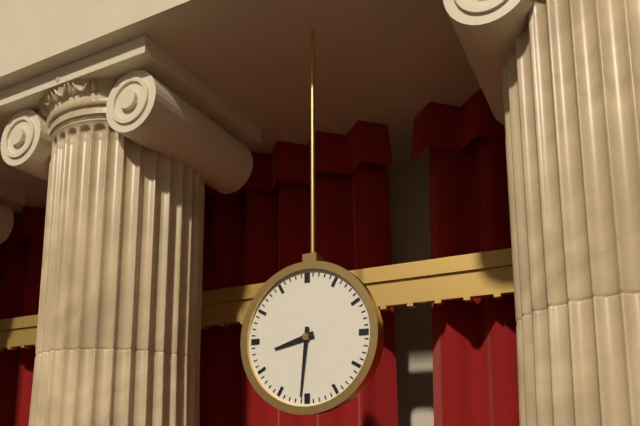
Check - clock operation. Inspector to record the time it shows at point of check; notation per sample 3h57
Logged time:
8h31
